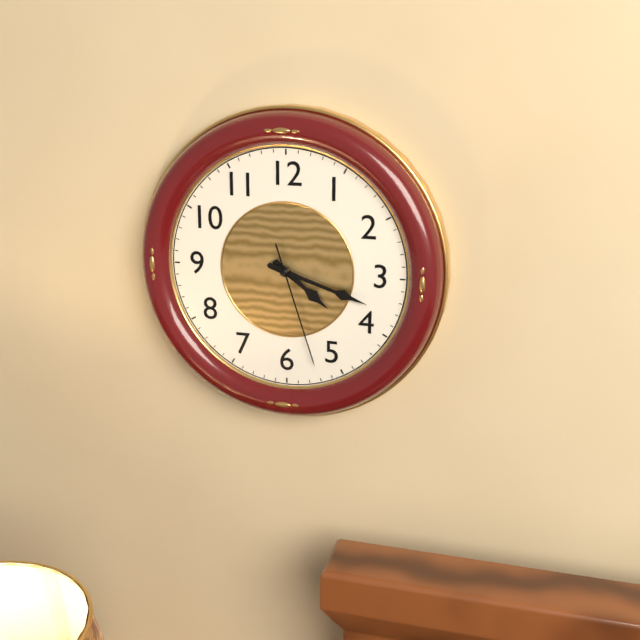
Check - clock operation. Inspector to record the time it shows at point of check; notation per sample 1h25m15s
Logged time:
4h18m27s
